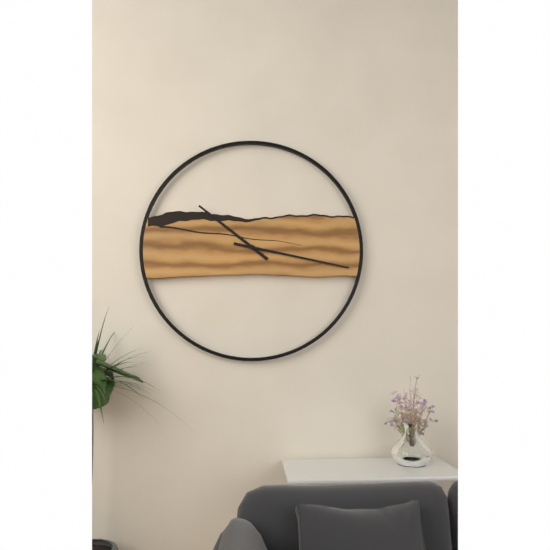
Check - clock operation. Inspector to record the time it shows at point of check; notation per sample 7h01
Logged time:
10h17
